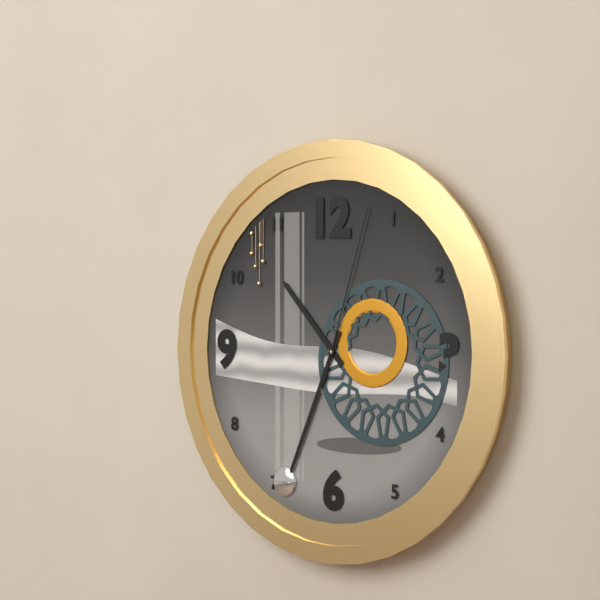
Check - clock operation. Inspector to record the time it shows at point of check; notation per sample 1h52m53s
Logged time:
10h34m03s
